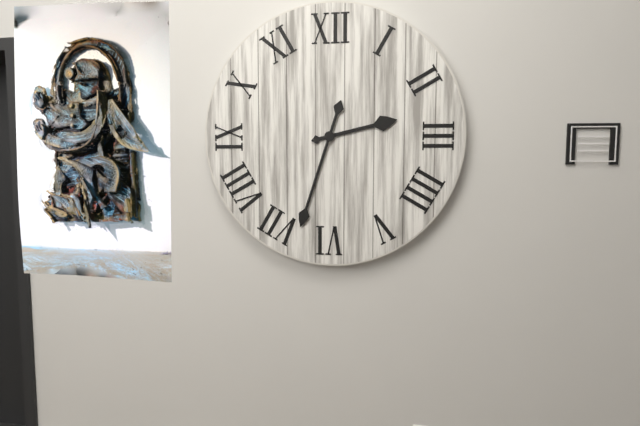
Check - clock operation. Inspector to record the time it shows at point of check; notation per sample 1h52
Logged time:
2h33
